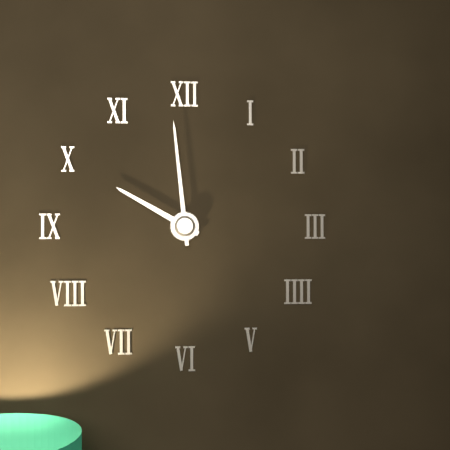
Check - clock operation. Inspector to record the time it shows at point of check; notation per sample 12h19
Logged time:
9h59
